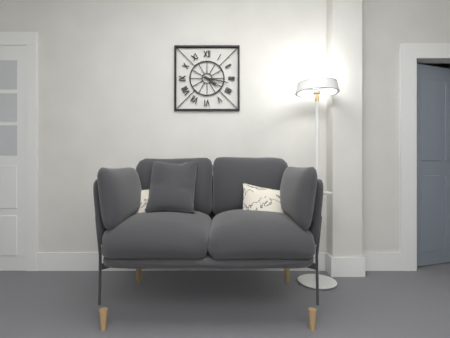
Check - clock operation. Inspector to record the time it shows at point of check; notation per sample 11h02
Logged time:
4h17
